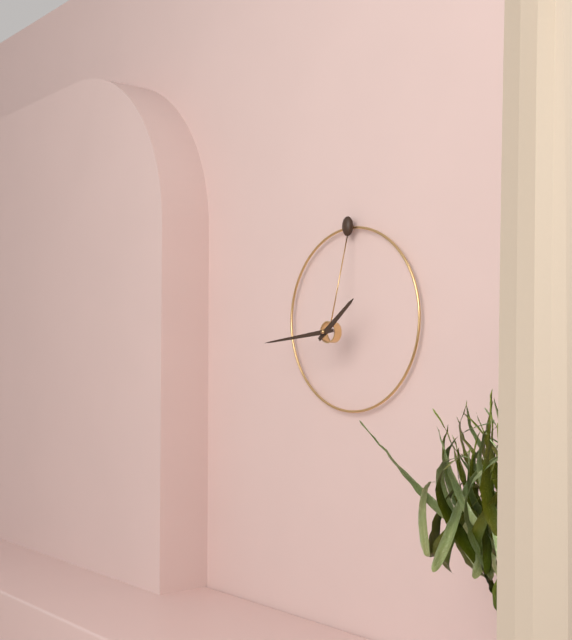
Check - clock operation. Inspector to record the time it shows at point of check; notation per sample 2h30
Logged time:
1h44
